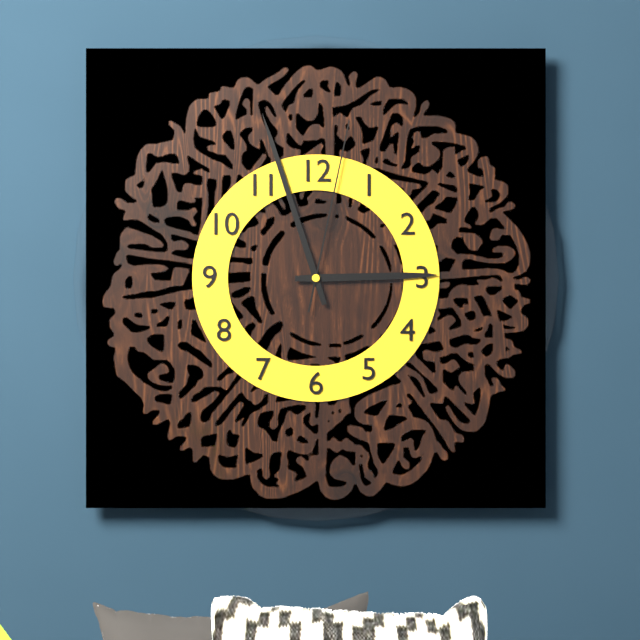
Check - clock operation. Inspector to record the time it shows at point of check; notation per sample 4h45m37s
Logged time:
2h57m02s
